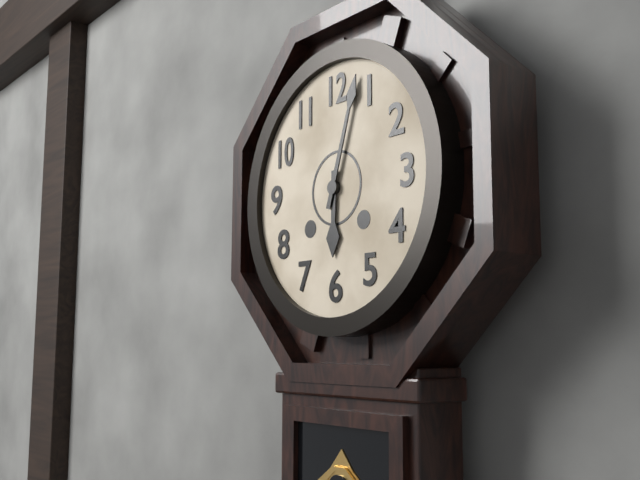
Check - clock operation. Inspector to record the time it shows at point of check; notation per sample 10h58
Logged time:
6h03
